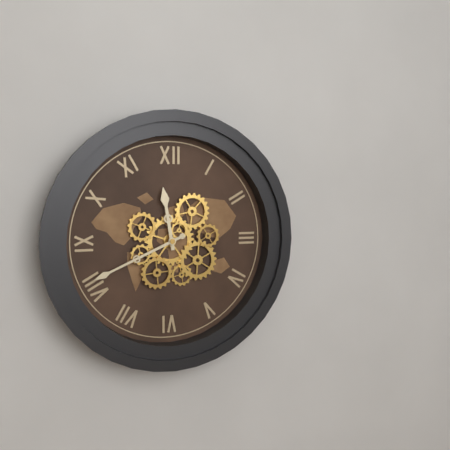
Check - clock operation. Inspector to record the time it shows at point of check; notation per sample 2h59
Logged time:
11h41
